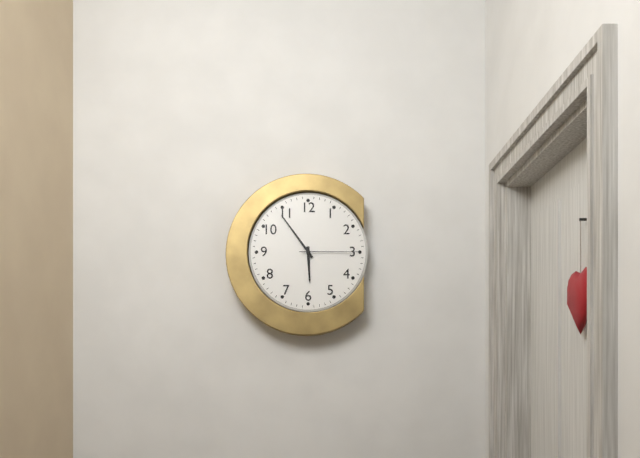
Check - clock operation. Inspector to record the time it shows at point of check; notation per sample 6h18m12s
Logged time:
5h54m15s
